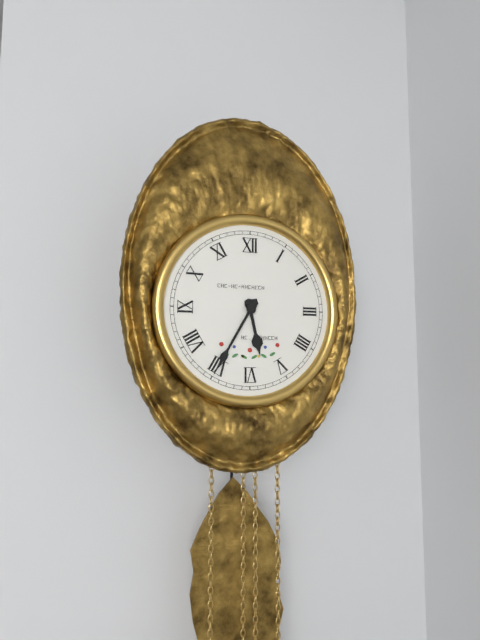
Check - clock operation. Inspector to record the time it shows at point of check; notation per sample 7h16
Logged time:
5h35
